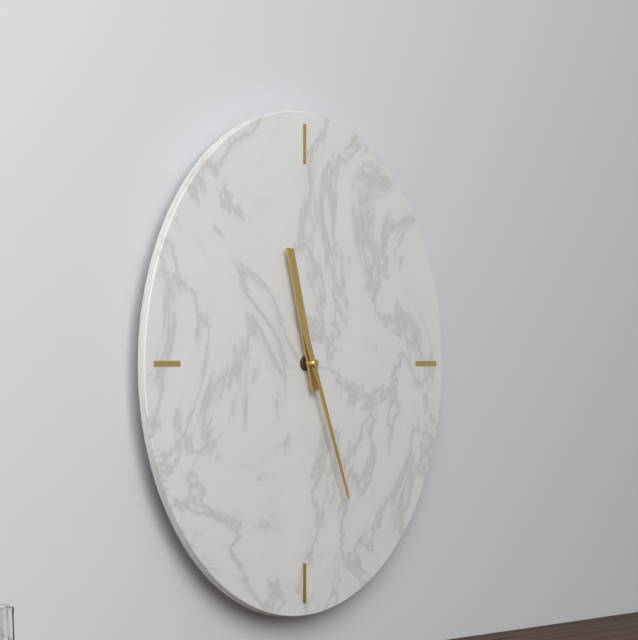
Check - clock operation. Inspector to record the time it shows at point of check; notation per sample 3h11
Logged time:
11h26
